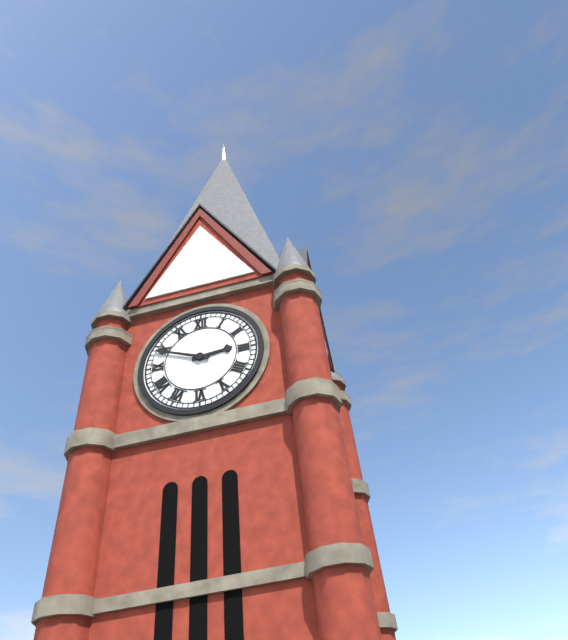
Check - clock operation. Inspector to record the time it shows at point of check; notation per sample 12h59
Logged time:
2h49
